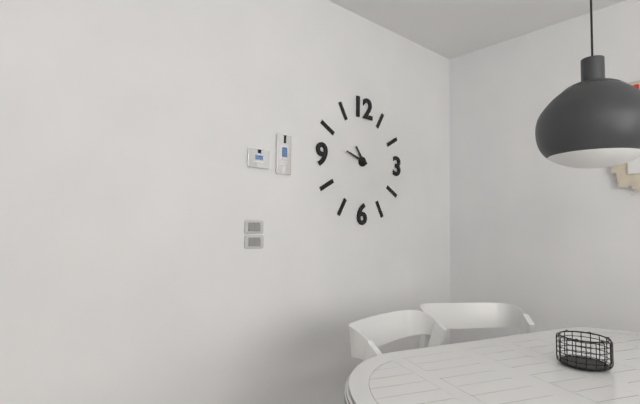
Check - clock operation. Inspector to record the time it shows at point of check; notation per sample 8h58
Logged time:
10h48
